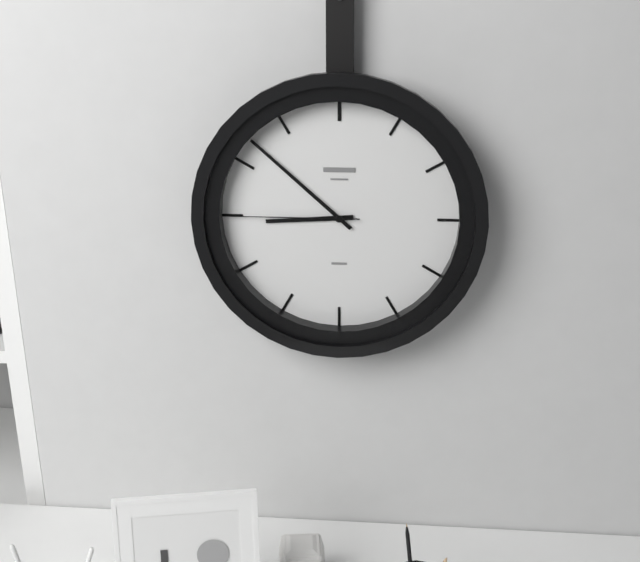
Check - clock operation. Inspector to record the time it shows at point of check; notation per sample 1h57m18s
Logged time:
8h52m45s
